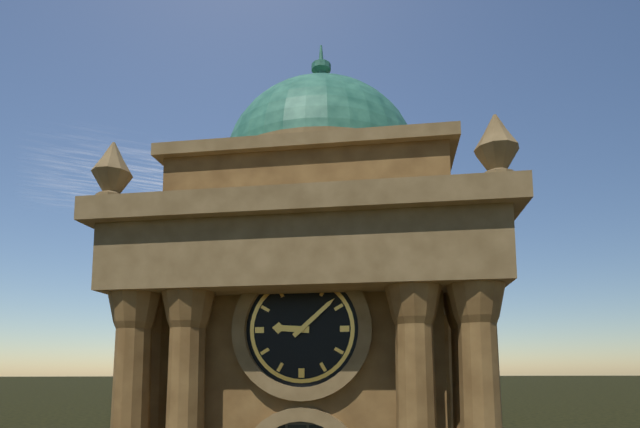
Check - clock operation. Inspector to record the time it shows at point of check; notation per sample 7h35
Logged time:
9h08
